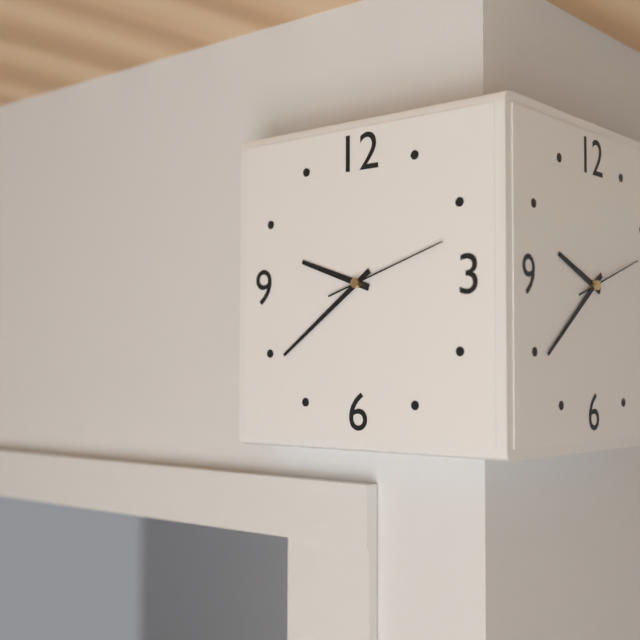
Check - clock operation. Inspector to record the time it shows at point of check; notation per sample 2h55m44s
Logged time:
9h39m12s
